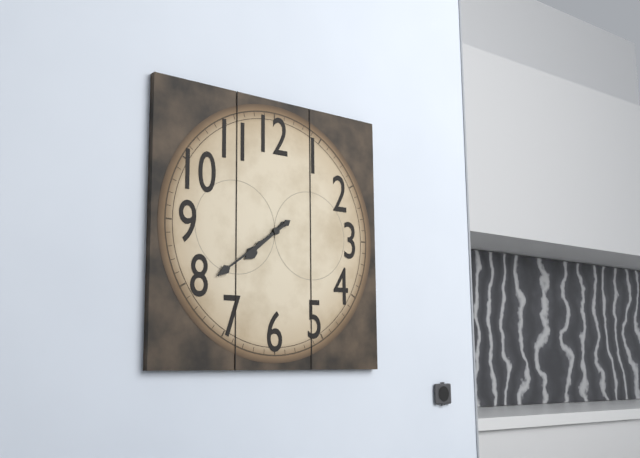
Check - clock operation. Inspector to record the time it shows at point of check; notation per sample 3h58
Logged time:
7h39
